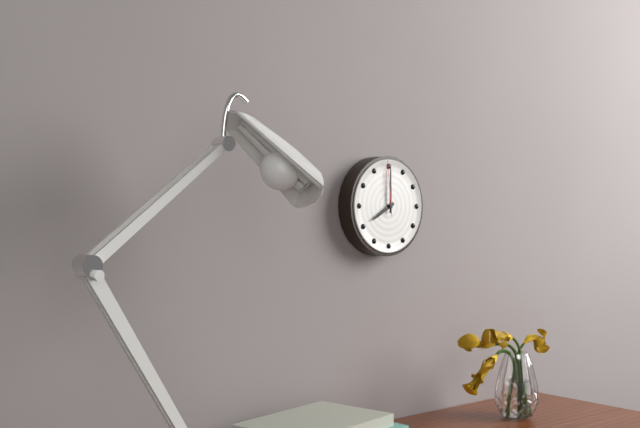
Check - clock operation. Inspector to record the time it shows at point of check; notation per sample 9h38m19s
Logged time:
8h00m59s
